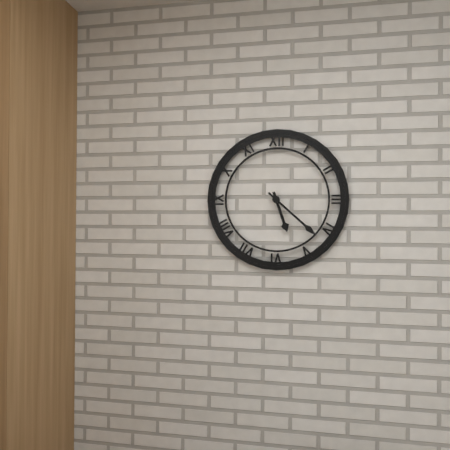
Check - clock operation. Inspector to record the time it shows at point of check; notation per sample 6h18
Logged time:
5h22
